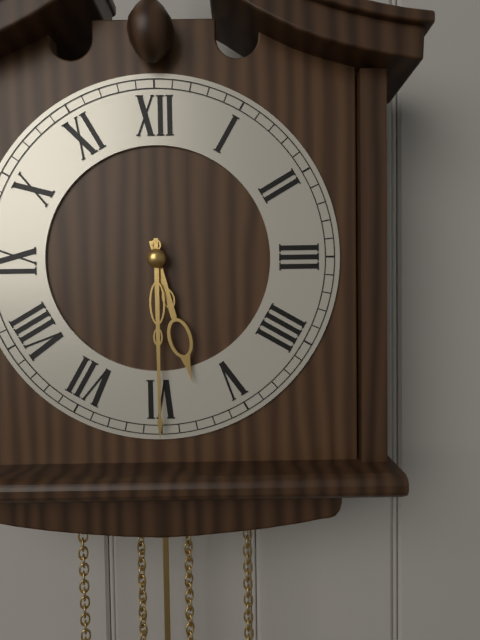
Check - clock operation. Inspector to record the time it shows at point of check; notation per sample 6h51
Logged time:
5h30
